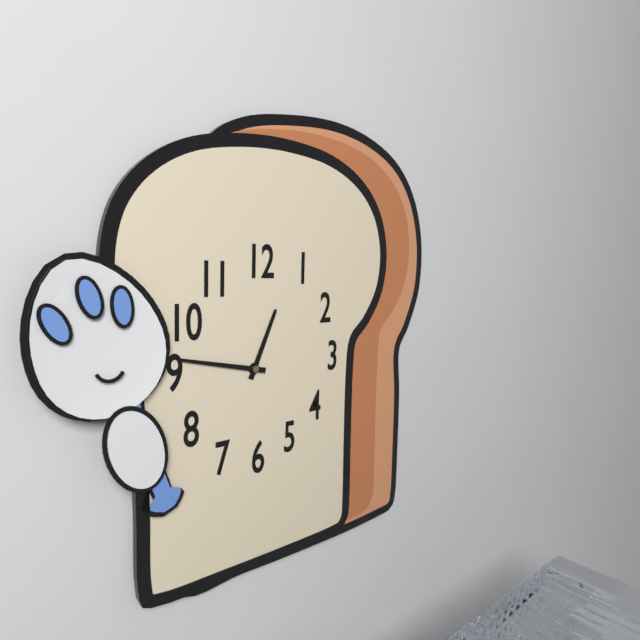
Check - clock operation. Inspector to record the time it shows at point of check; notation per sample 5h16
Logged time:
12h47
